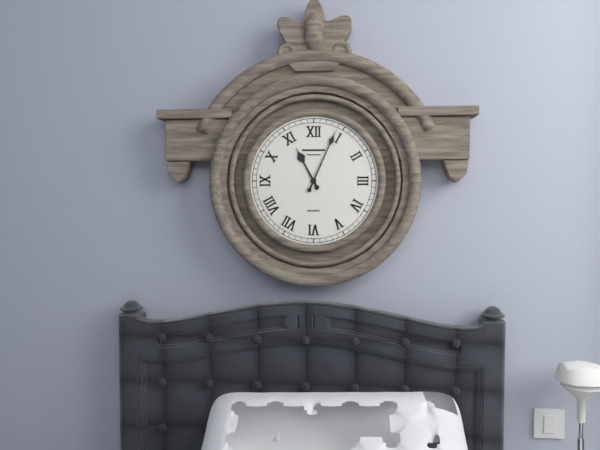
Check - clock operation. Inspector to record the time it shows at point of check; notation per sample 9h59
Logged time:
11h04
